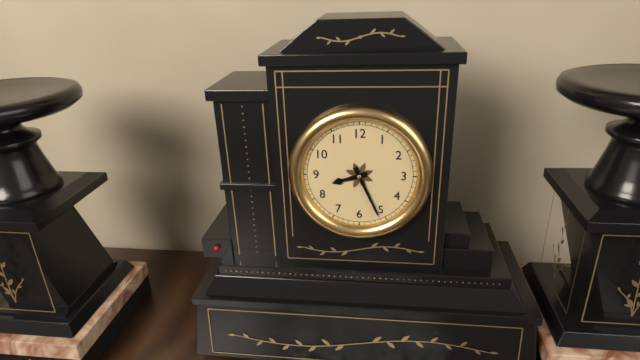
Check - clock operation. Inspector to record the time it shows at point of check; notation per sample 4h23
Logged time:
8h26
